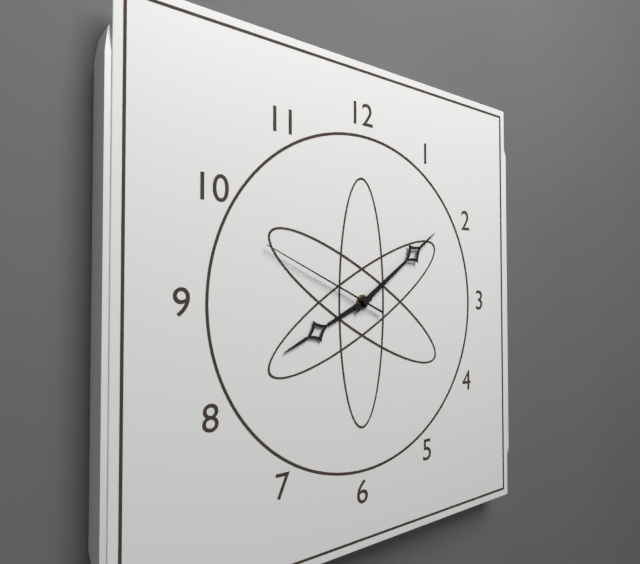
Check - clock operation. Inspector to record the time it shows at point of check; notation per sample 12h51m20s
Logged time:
8h09m49s
